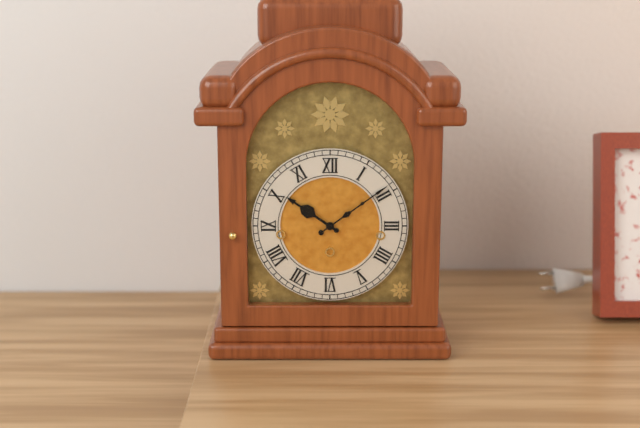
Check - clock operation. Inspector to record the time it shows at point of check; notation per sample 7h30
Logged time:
10h09
